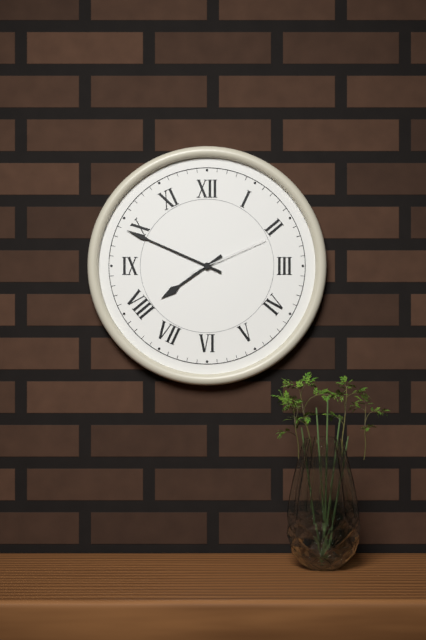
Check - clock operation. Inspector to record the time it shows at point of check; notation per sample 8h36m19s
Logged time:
7h49m11s
